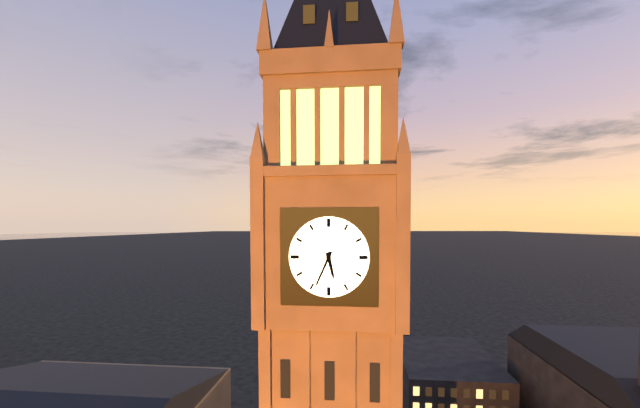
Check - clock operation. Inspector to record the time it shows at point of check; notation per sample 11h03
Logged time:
5h34
